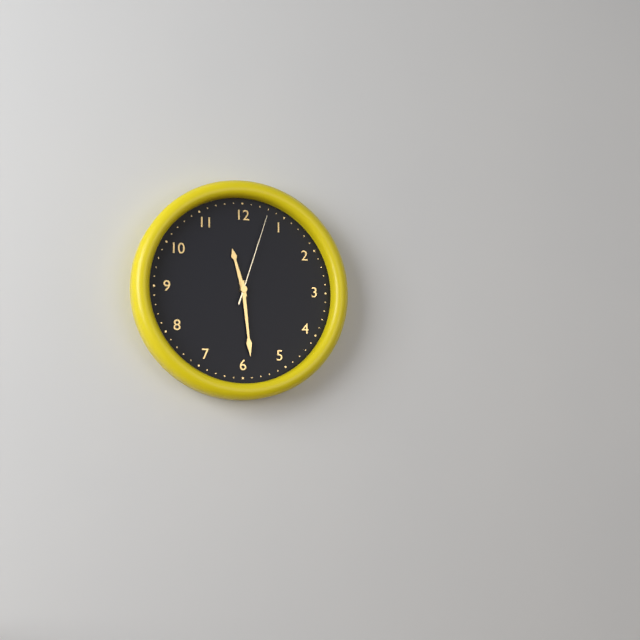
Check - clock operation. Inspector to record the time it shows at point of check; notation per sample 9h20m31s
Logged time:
11h29m03s
